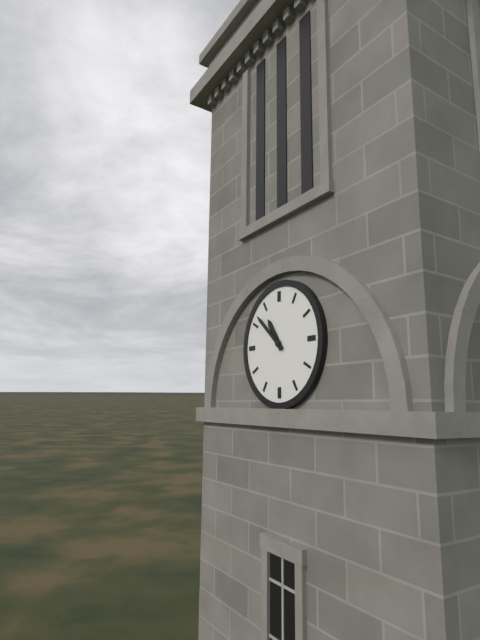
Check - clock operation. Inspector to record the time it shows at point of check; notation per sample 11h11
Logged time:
10h52
